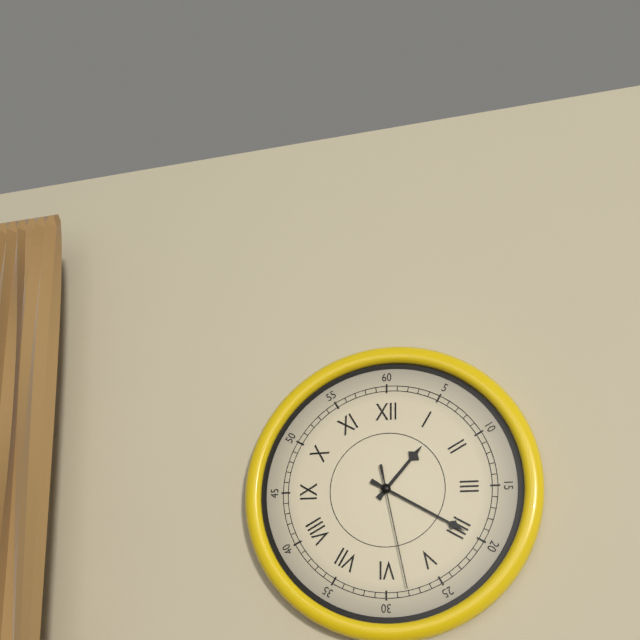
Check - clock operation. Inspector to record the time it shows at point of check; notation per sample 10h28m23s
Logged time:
1h20m28s
